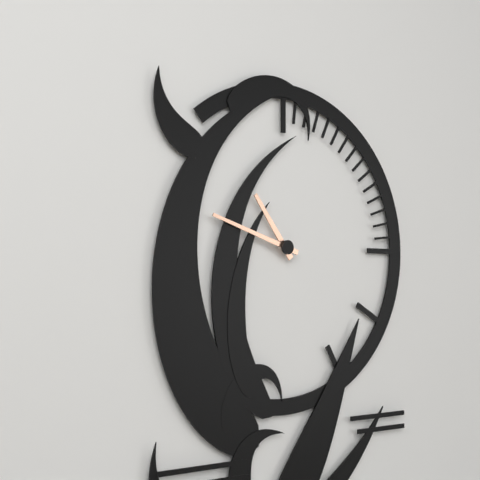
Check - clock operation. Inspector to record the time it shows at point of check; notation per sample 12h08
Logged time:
10h48
